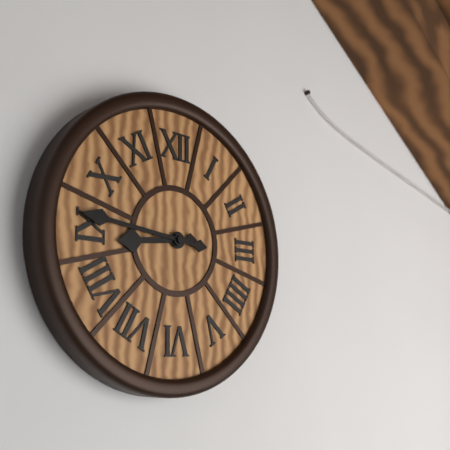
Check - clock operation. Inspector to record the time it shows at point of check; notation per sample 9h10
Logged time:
8h46
